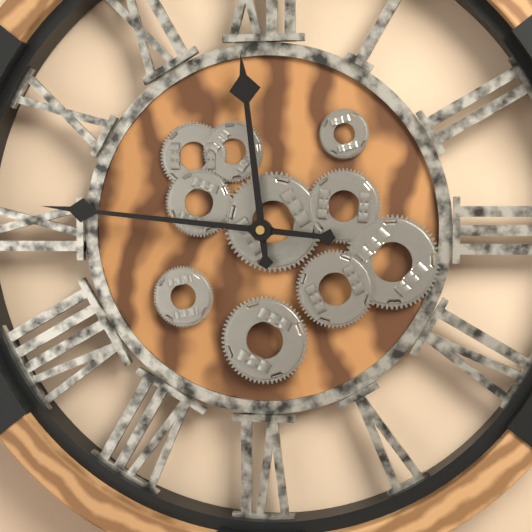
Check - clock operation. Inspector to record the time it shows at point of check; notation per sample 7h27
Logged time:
11h46
